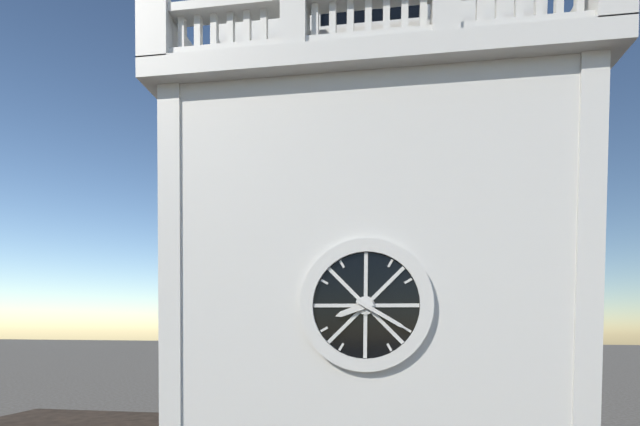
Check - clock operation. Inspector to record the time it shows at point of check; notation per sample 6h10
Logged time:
8h20
